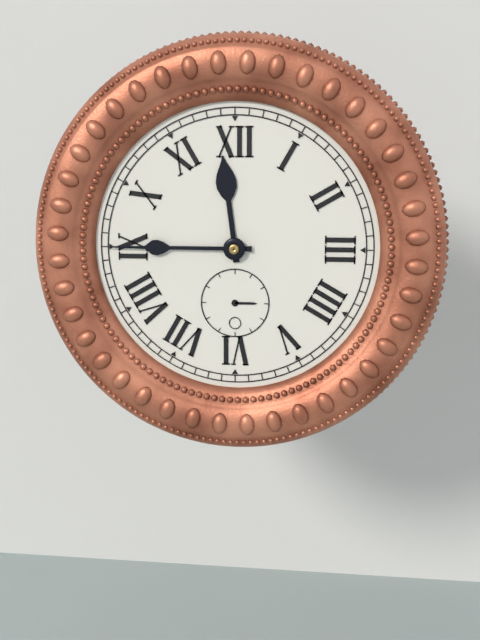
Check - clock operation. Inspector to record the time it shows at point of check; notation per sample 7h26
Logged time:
11h45
